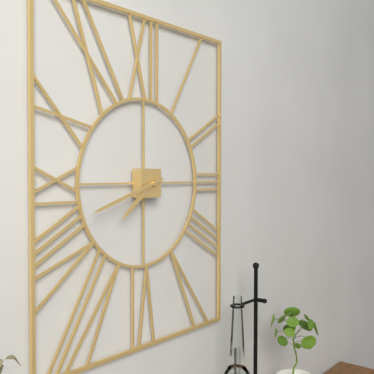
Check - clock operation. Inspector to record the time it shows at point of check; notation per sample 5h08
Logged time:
7h42
